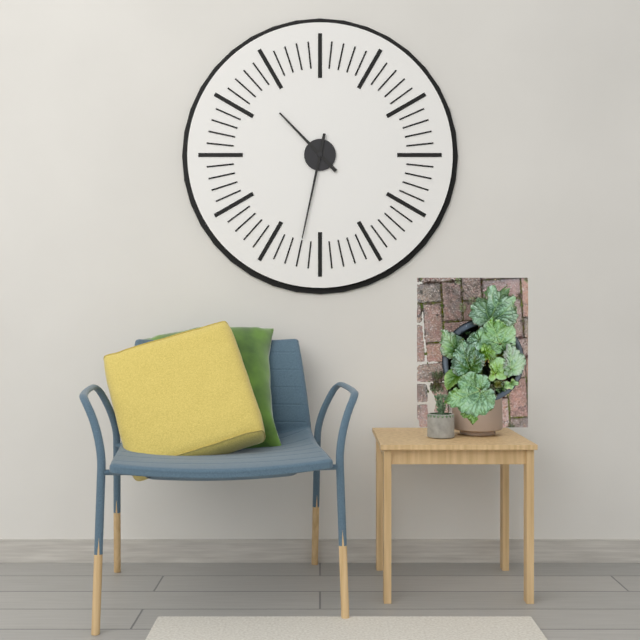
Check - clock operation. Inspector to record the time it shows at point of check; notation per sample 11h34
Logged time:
10h32
